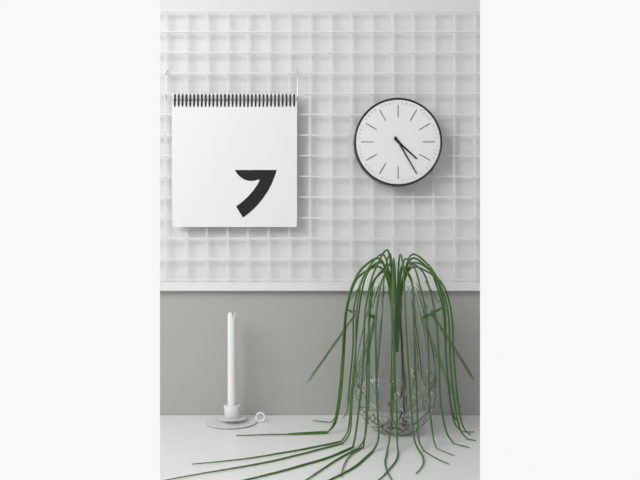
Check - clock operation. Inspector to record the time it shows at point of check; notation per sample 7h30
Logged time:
4h25
